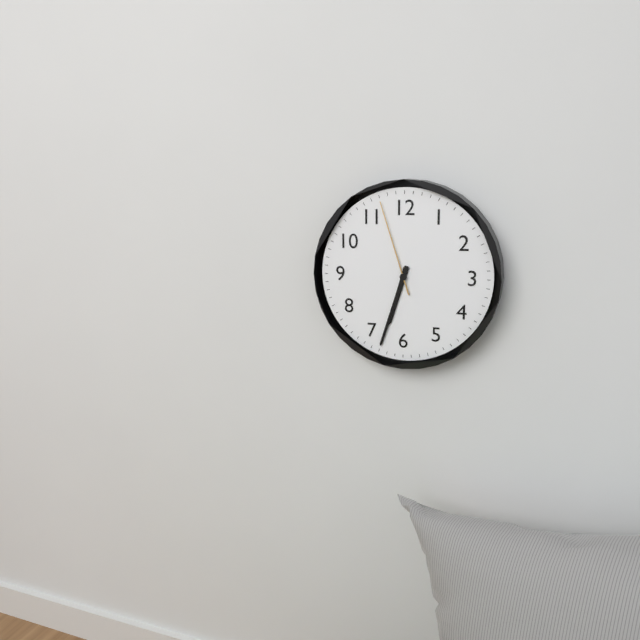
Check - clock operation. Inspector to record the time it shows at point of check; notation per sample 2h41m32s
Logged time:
6h33m57s
